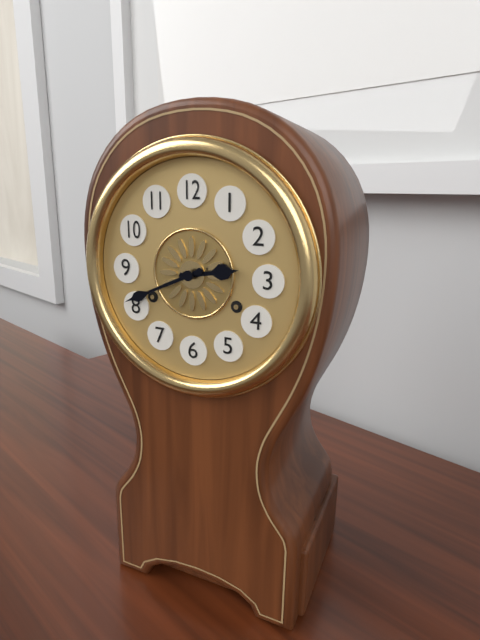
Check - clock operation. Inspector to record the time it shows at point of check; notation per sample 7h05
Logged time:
2h41
